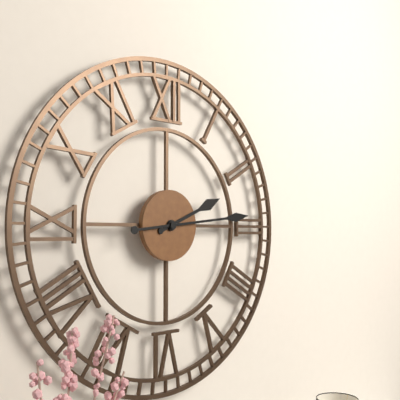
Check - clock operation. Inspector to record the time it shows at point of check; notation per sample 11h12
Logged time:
2h14
